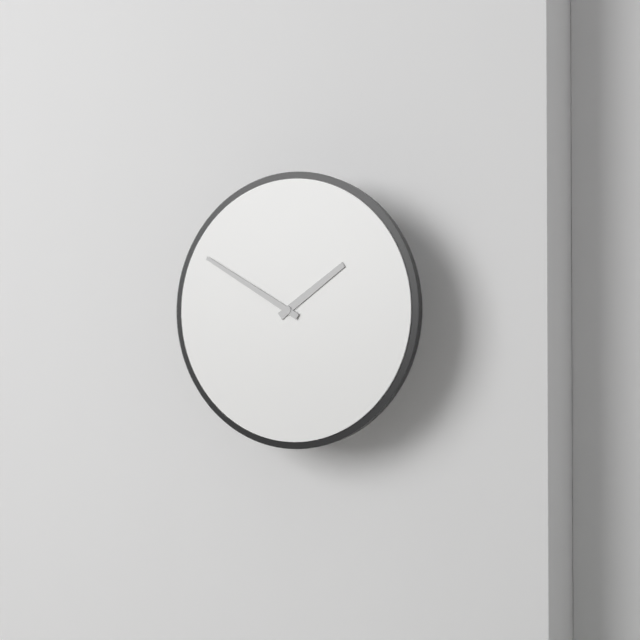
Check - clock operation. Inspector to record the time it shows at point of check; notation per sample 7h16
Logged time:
1h50
